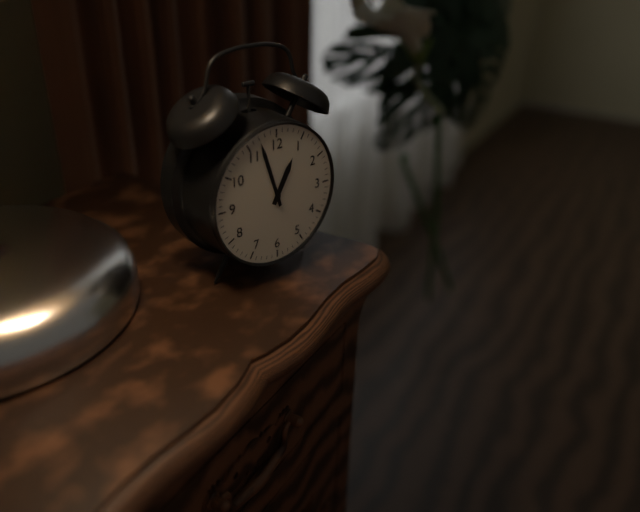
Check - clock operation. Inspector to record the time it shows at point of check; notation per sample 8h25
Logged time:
12h57
